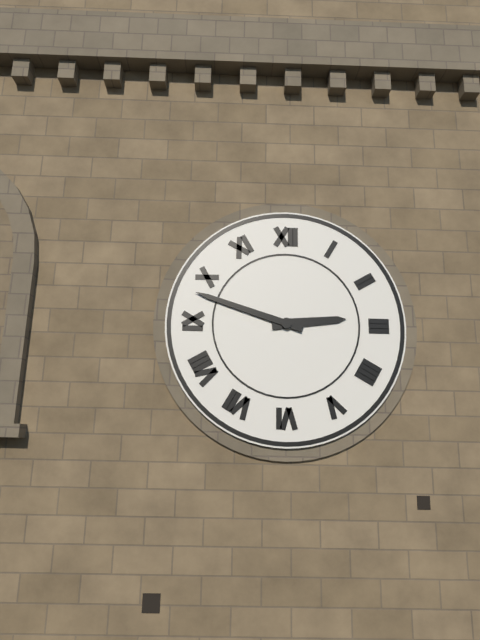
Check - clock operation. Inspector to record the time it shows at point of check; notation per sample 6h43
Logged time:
2h48
